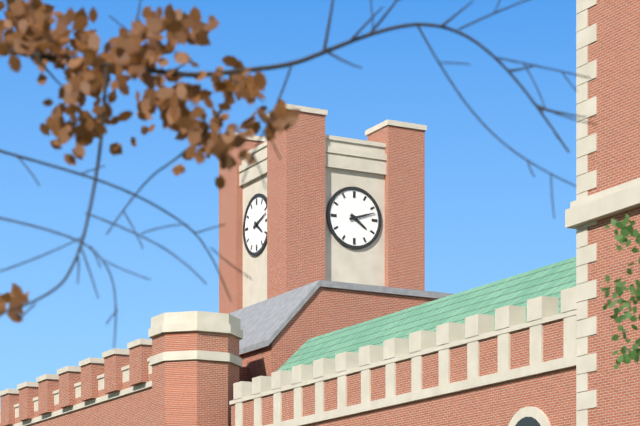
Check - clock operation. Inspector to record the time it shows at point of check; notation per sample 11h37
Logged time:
4h12
